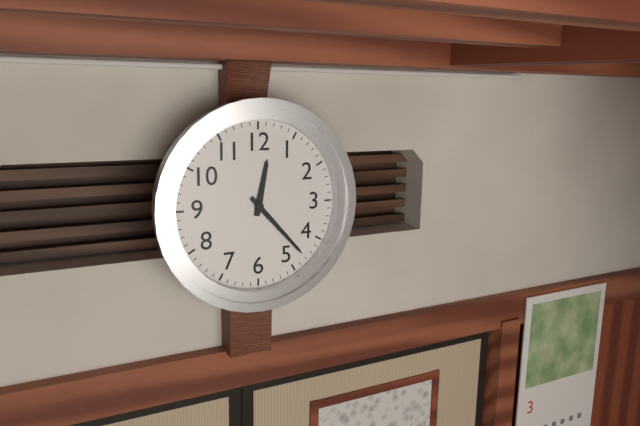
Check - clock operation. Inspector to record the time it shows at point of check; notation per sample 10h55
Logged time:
12h23
